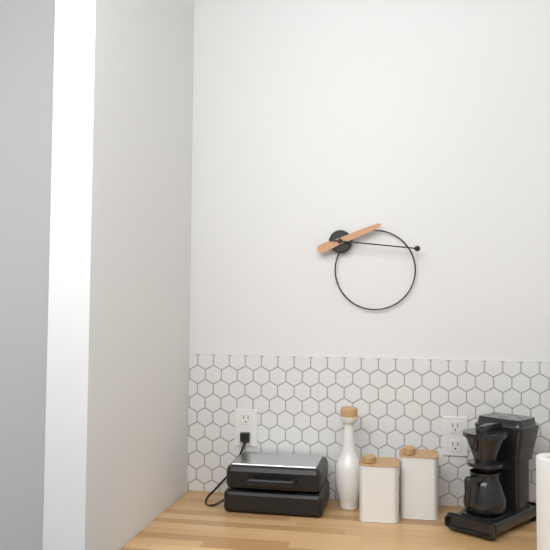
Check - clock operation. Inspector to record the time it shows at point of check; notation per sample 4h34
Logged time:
2h16
